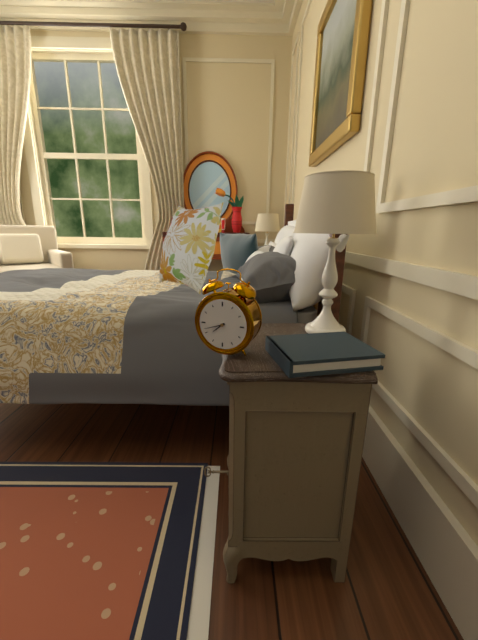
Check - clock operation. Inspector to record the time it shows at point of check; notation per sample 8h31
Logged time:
7h42
